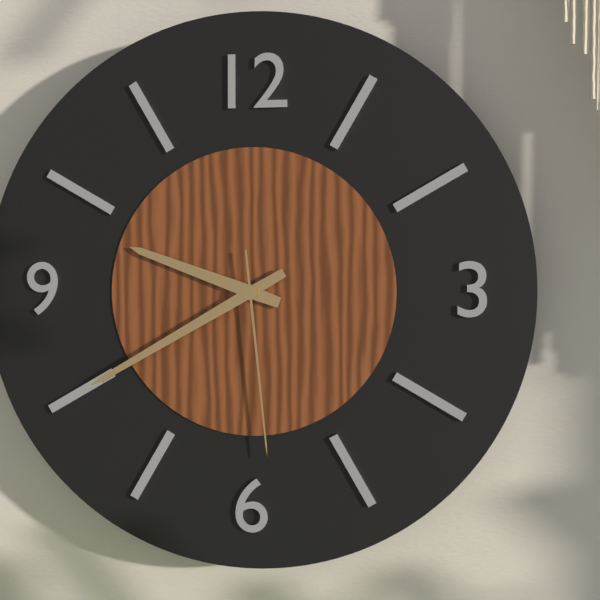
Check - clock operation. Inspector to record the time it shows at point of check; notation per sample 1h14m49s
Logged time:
9h40m29s
